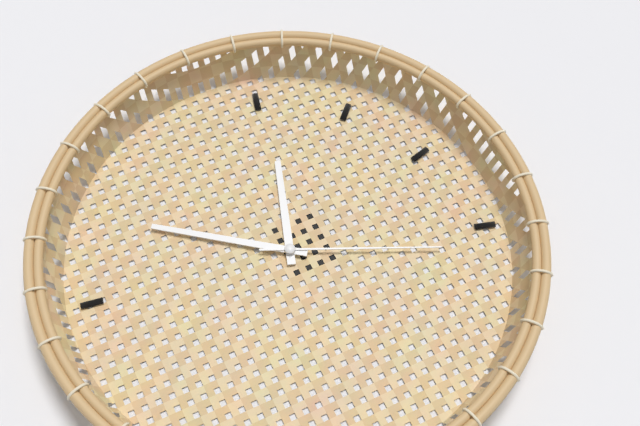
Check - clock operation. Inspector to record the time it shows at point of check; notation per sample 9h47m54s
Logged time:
9h36m04s
